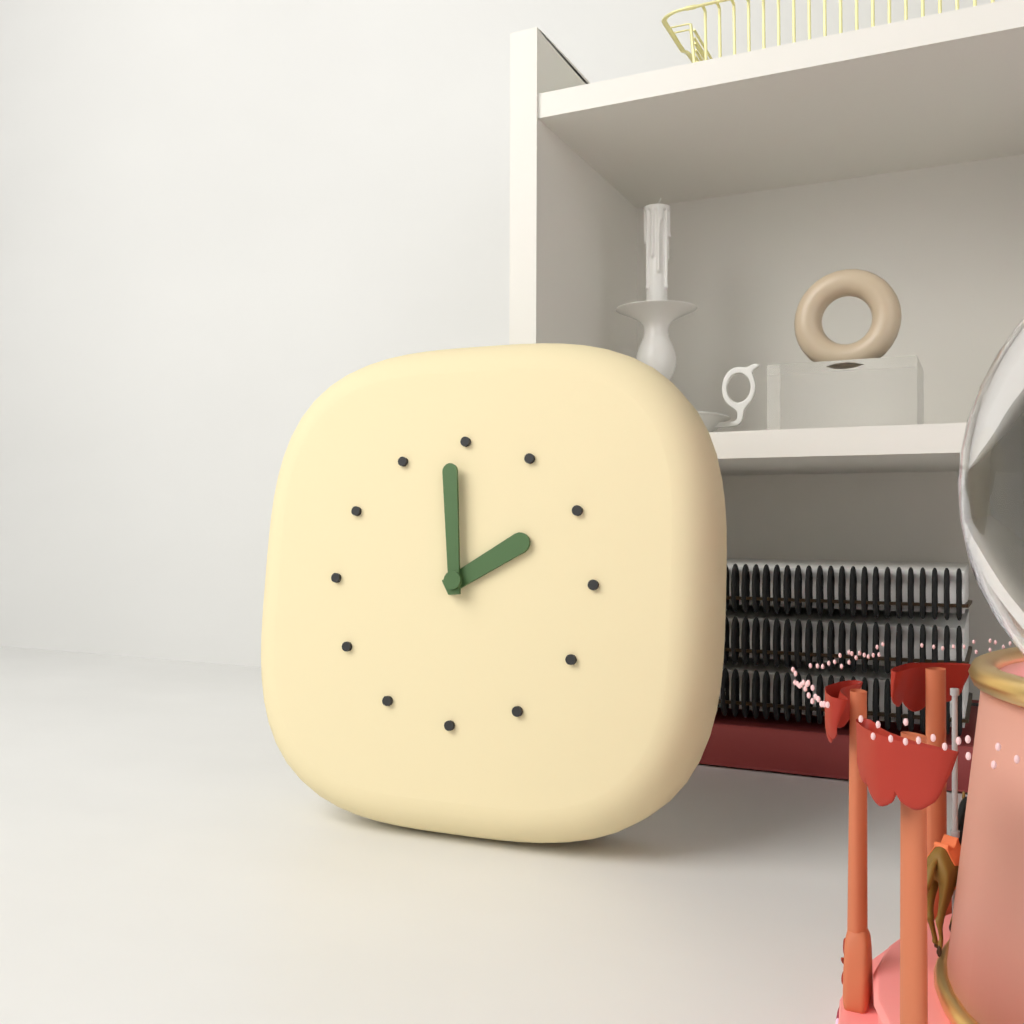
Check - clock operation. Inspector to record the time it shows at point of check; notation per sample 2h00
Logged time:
1h59
